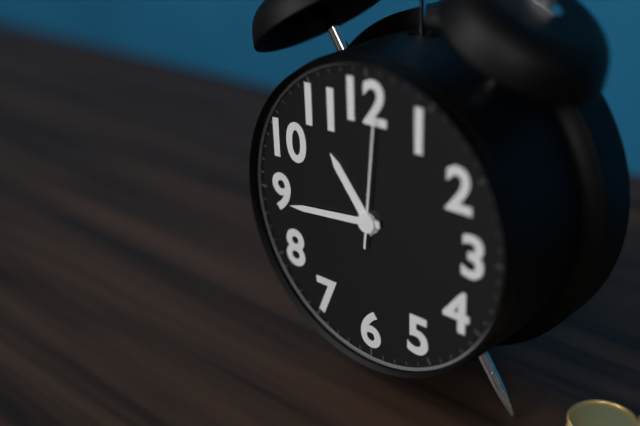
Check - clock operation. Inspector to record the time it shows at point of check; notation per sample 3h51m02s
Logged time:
10h44m01s
